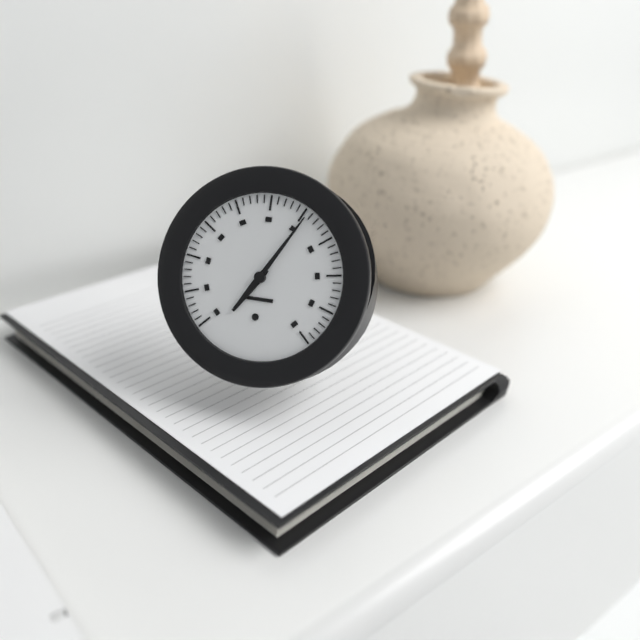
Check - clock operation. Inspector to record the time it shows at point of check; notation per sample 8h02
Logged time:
7h05
